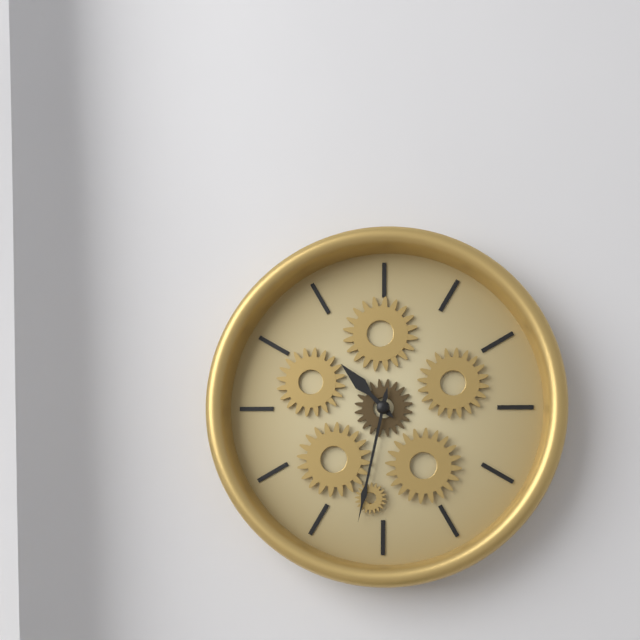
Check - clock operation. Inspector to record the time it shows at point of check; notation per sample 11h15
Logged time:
10h32
